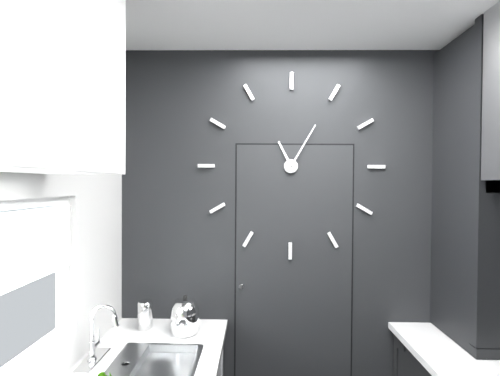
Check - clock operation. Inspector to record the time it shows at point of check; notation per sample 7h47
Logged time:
11h05
